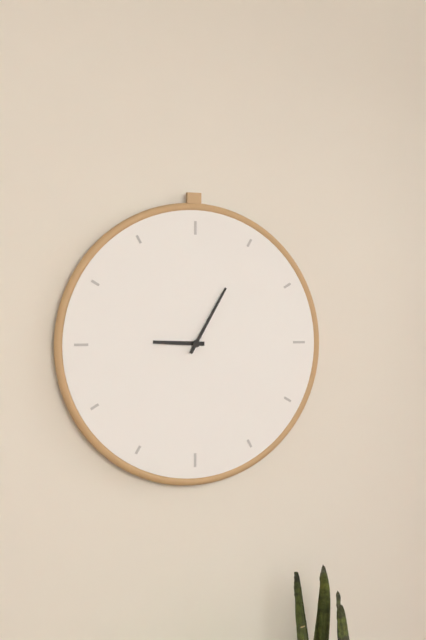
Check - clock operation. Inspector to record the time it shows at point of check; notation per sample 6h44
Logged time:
9h05
